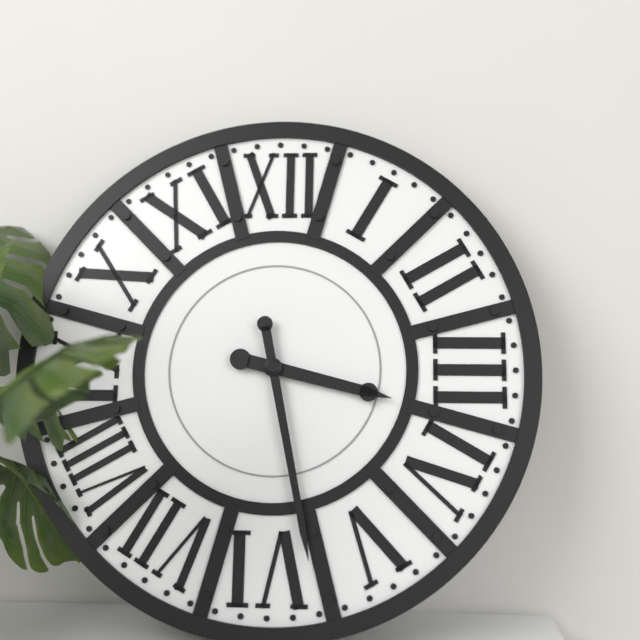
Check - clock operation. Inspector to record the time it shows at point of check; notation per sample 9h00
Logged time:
3h28
